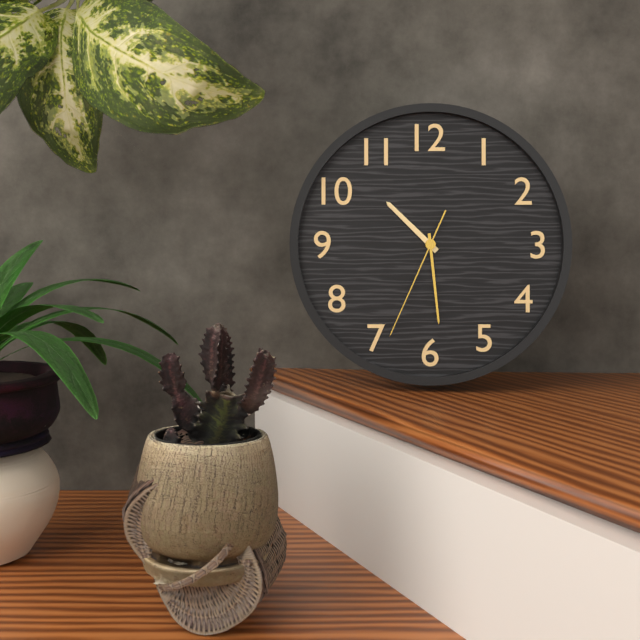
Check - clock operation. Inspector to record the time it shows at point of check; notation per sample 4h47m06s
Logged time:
10h29m34s
